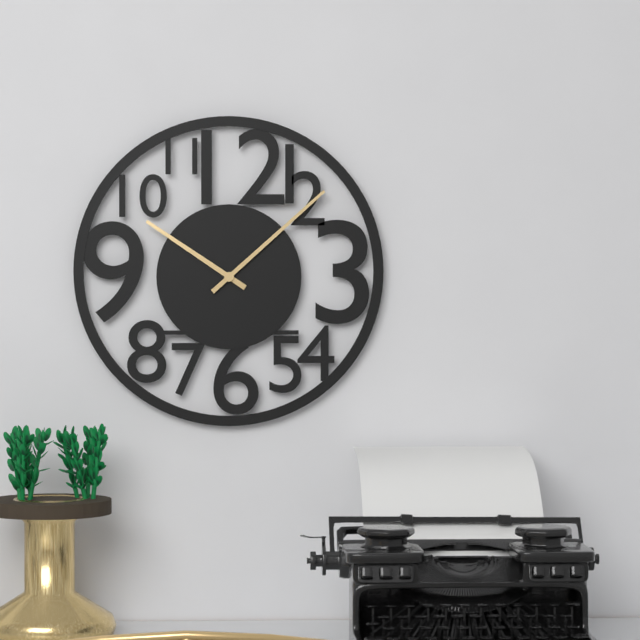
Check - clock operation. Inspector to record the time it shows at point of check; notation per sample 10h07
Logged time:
10h08
